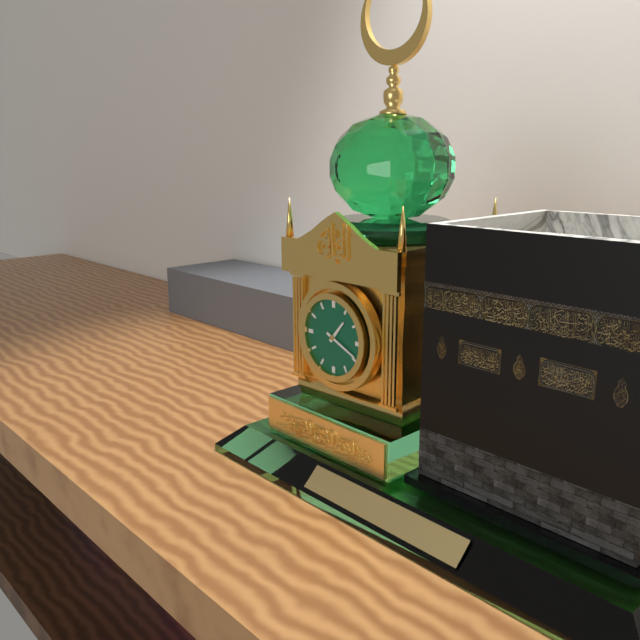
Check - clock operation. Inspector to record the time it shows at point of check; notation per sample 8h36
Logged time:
1h19
